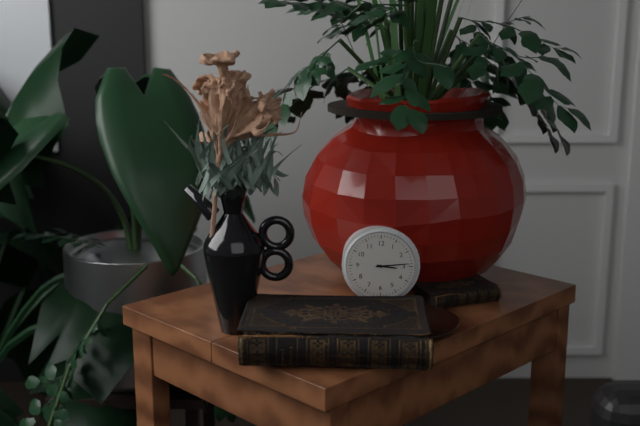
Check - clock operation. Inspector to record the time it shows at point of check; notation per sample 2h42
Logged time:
3h14
